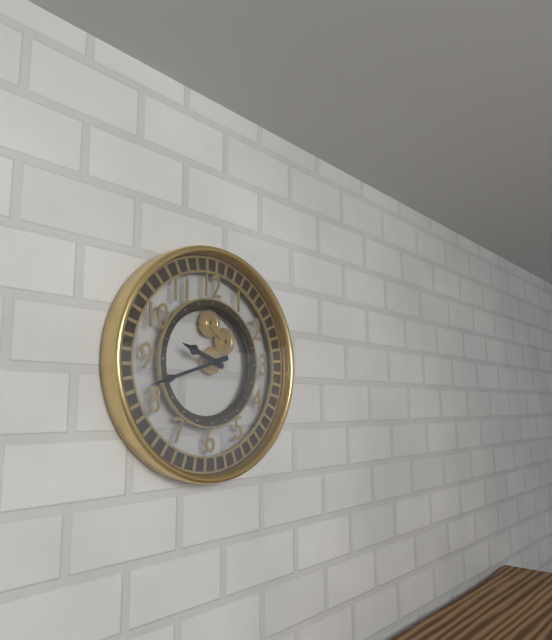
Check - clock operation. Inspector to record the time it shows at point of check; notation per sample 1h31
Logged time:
9h42
